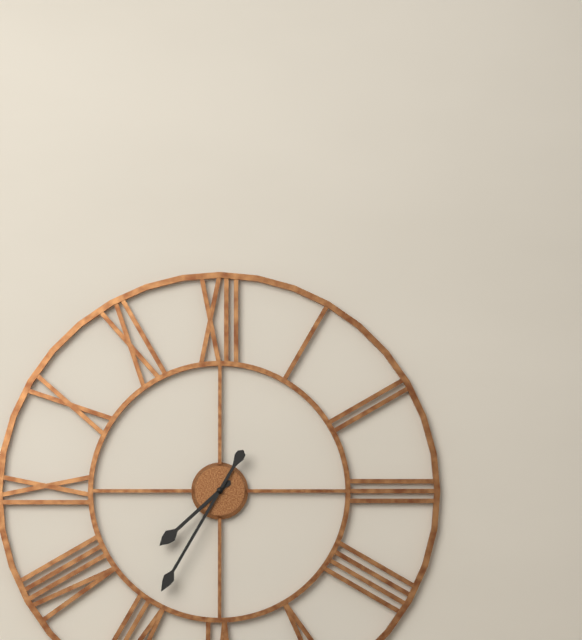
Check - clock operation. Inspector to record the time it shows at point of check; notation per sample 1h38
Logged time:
7h35
